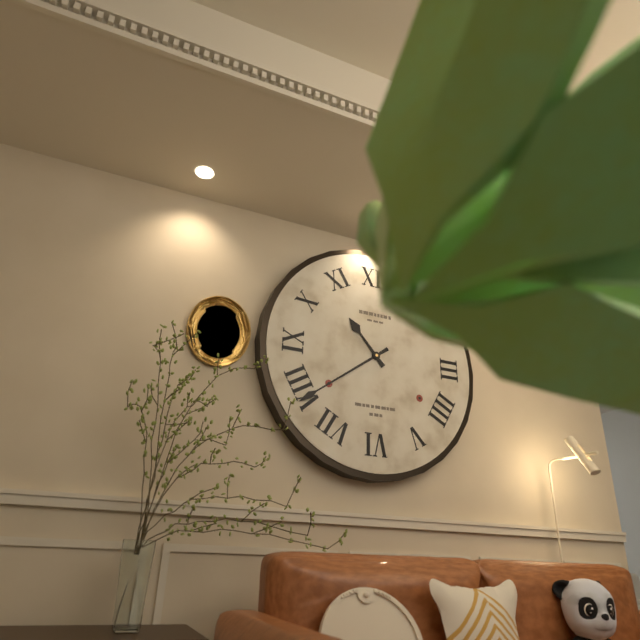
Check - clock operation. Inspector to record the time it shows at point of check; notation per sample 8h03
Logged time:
10h39
